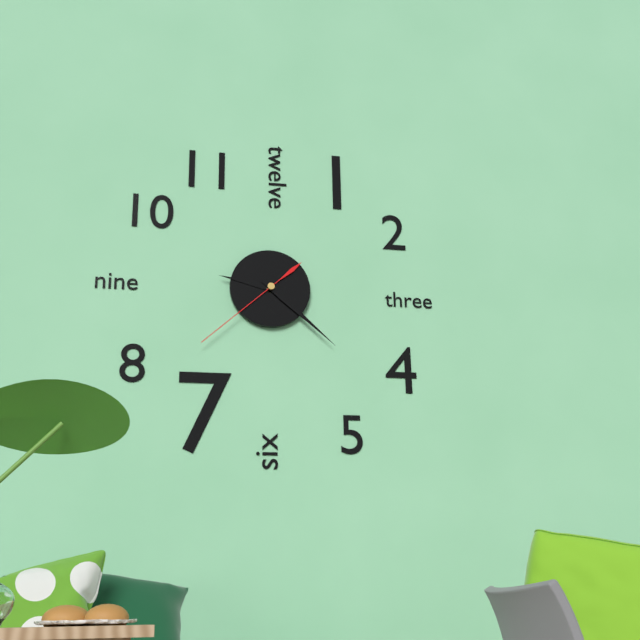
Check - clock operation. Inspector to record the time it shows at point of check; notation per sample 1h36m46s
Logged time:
9h22m38s
